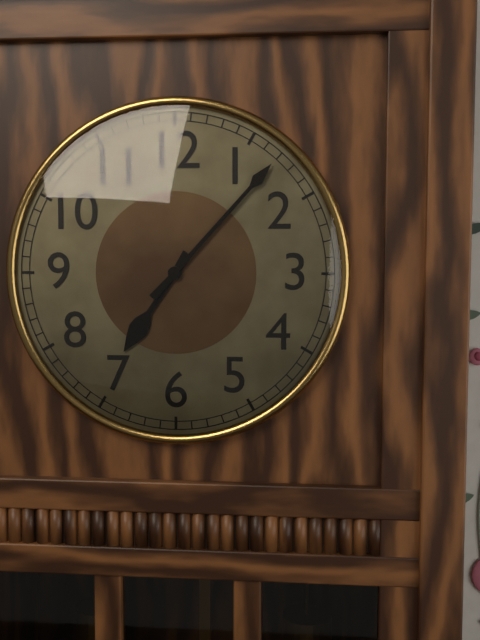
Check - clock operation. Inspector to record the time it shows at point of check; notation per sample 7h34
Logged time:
7h07
